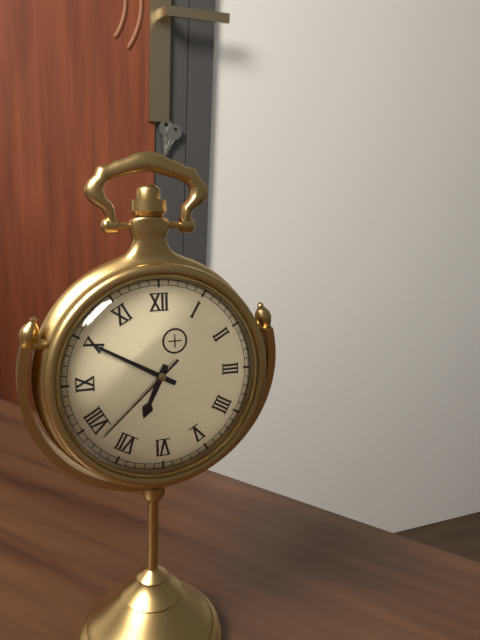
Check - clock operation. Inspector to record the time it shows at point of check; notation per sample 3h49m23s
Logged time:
6h50m38s
